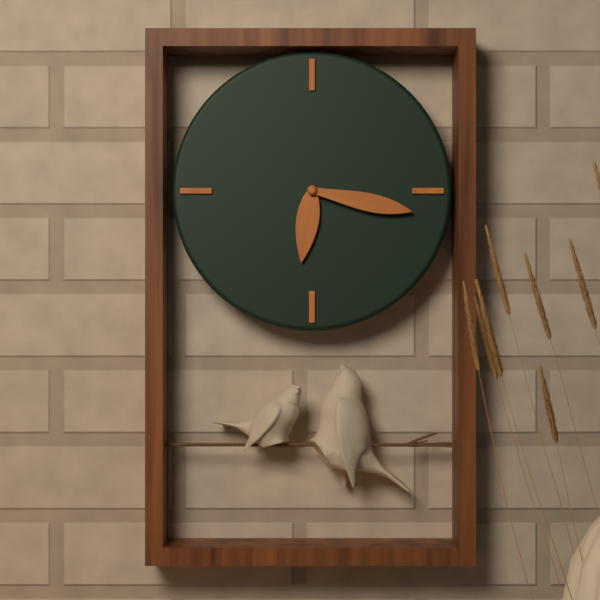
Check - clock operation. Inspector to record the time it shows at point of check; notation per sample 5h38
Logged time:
6h17
